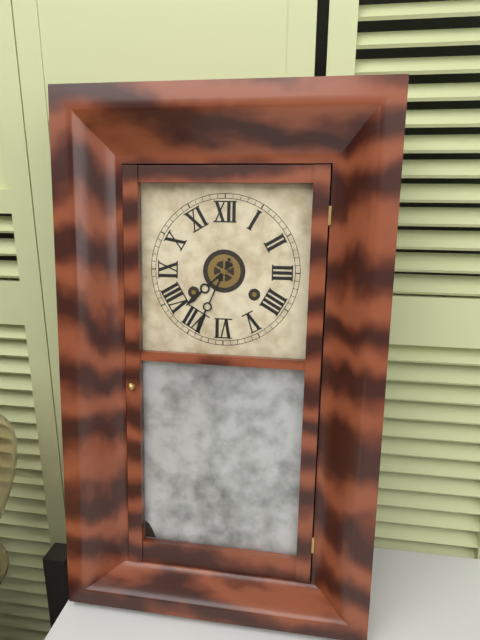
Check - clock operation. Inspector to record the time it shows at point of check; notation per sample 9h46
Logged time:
7h34
